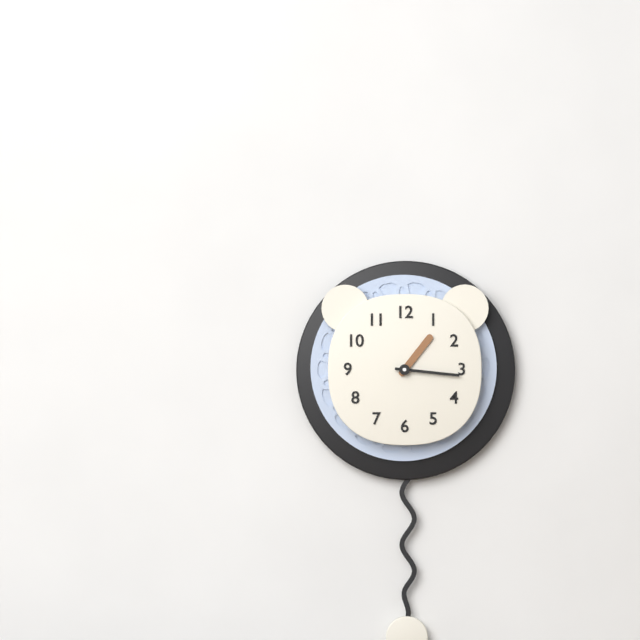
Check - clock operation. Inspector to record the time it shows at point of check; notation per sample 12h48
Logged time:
1h16
